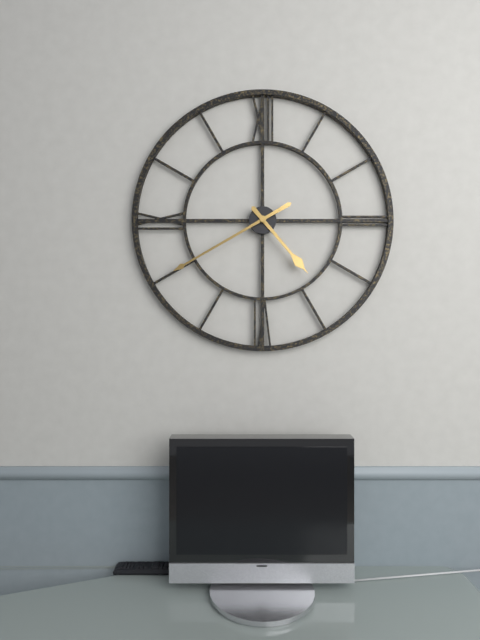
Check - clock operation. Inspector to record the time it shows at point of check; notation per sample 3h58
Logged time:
4h40
